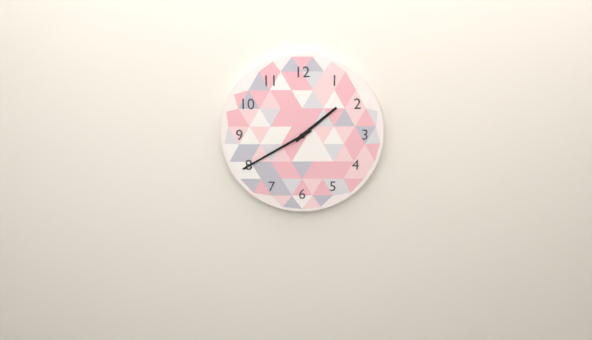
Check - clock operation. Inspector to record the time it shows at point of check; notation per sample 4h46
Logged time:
1h40
